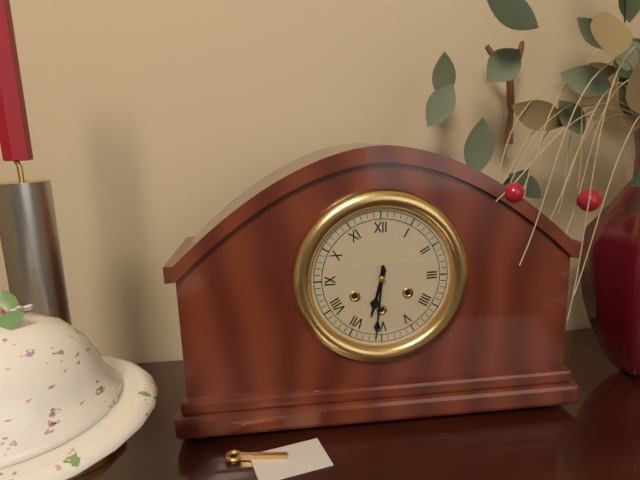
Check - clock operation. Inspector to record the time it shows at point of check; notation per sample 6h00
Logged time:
6h31
